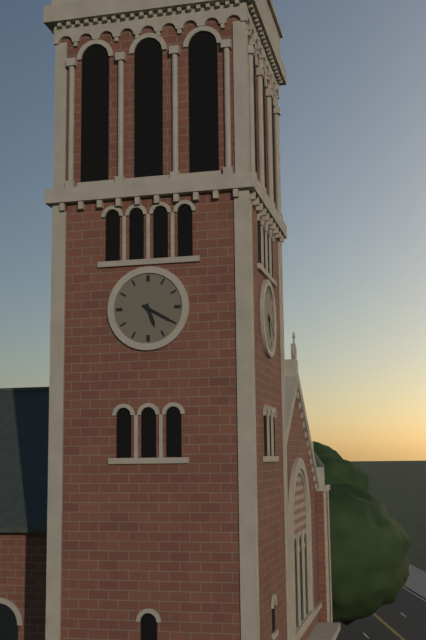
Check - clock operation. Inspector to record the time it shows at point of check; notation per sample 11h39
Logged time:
5h20
